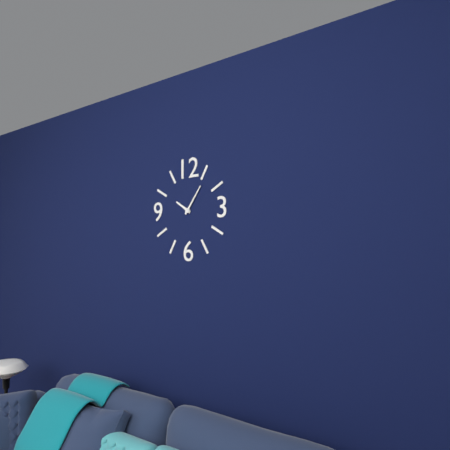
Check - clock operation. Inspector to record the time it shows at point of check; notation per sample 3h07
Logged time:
10h06
